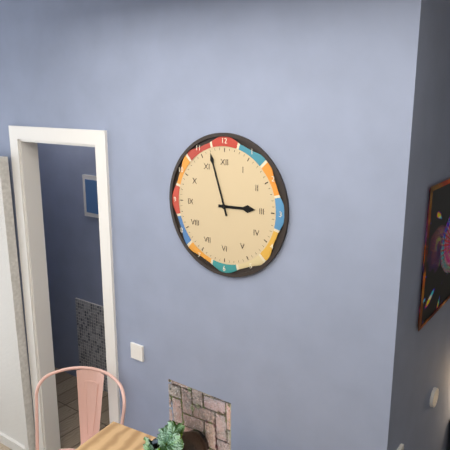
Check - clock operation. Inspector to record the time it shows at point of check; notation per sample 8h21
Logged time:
2h57
